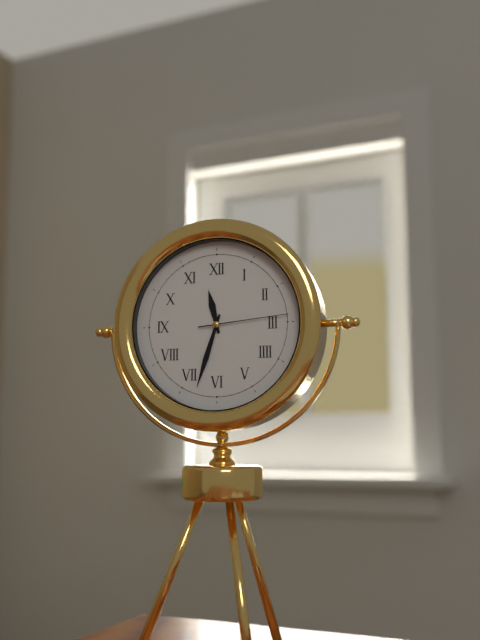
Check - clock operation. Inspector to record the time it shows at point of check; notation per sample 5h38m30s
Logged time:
11h33m14s
